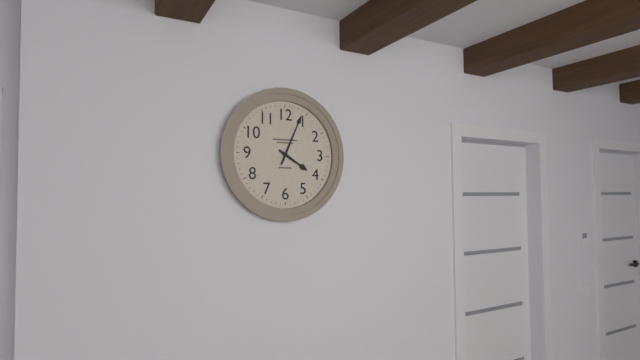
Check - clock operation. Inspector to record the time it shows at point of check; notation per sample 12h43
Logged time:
4h04
